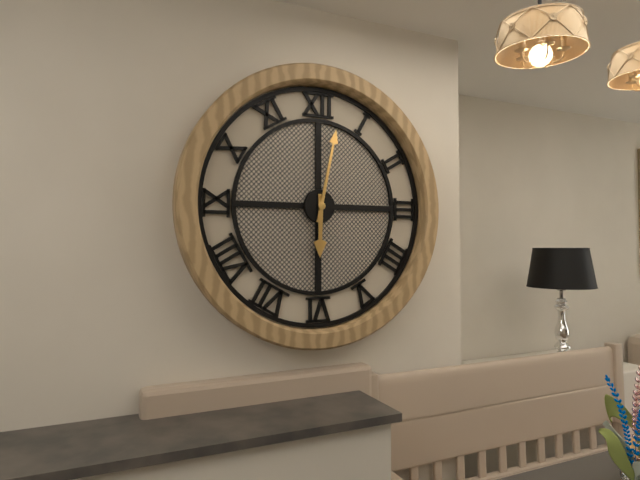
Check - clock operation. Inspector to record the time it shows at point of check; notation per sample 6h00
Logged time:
6h02
